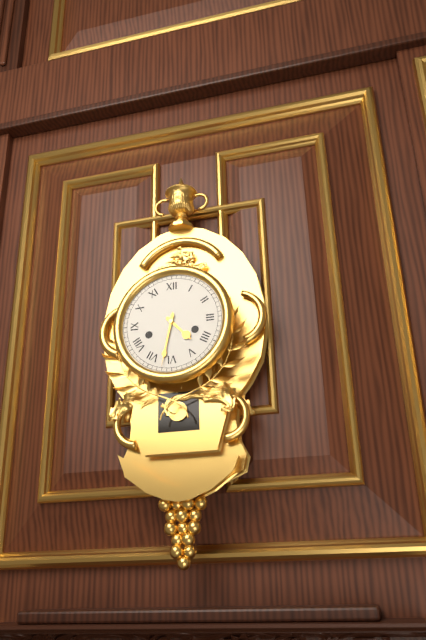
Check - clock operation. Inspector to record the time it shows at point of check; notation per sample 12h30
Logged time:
4h32
